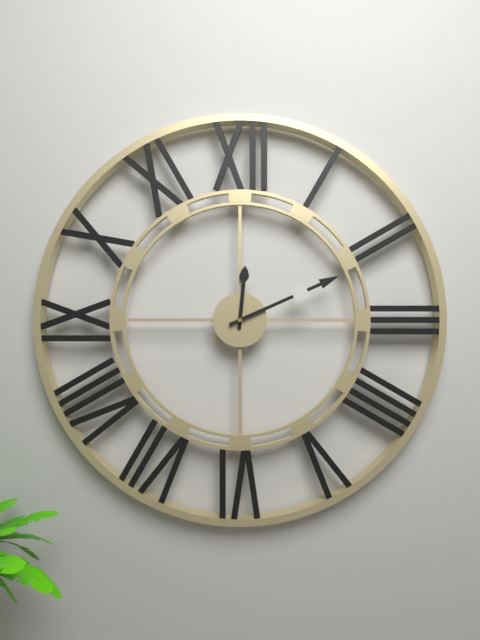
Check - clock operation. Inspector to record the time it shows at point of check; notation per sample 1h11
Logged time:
12h11
